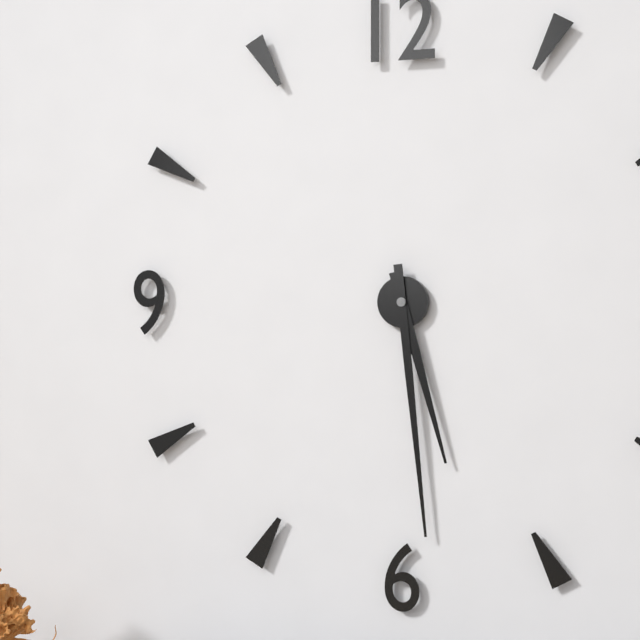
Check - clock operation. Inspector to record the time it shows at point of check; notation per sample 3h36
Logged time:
5h29
